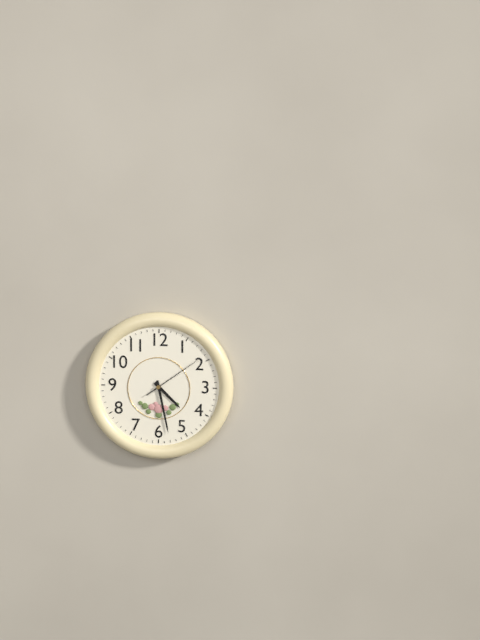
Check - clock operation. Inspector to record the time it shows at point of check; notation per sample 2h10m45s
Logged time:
4h28m09s
